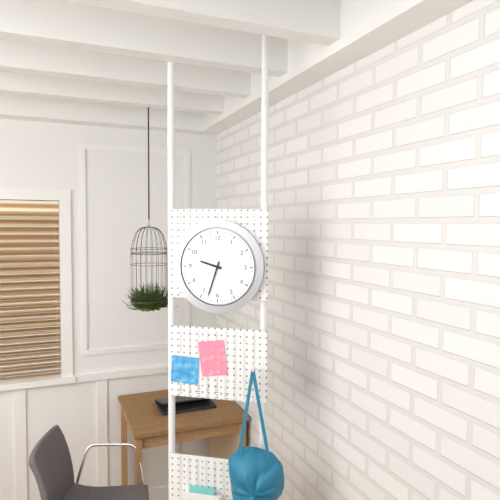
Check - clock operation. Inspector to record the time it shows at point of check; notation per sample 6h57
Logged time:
9h33
